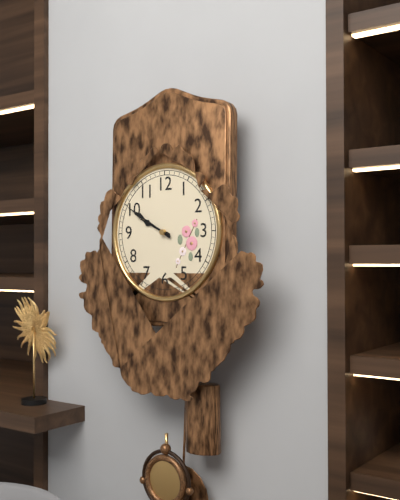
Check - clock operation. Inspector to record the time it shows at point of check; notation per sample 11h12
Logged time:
9h50
